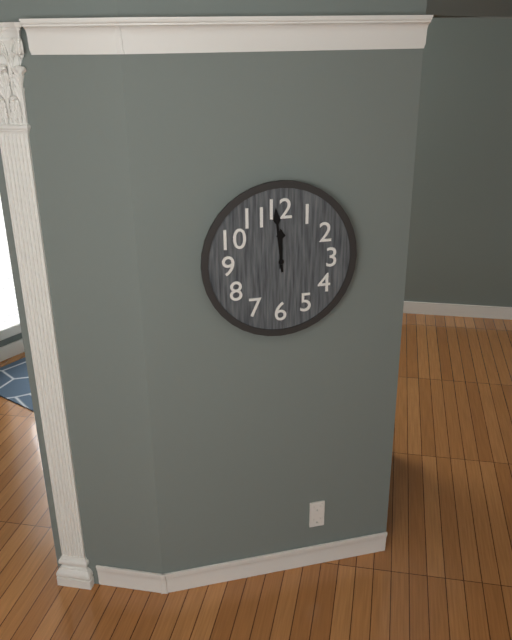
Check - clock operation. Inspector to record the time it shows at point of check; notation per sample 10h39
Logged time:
11h59
